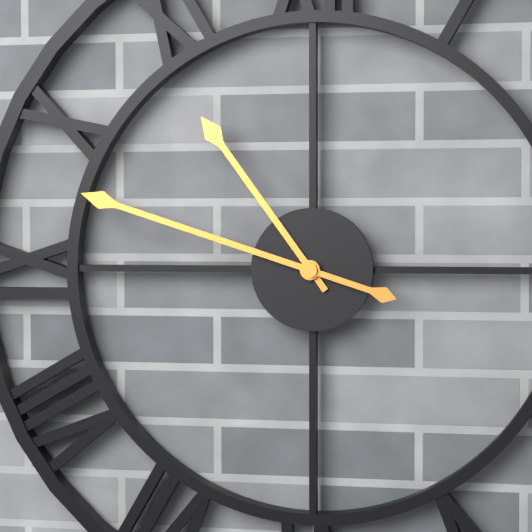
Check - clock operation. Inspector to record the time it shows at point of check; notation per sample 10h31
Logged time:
10h48
